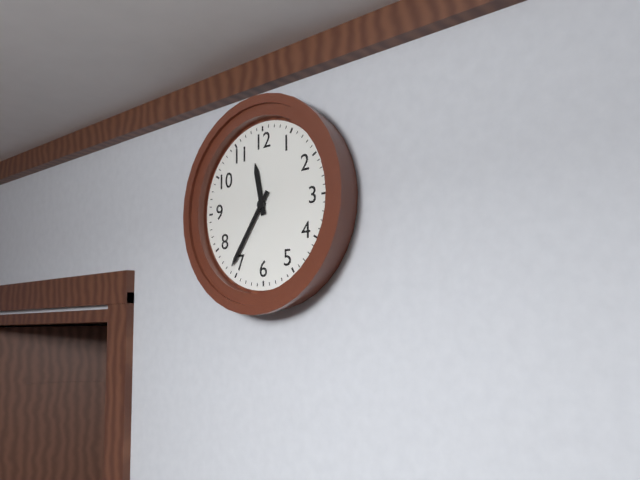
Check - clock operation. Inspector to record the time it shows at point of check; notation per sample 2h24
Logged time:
11h36
